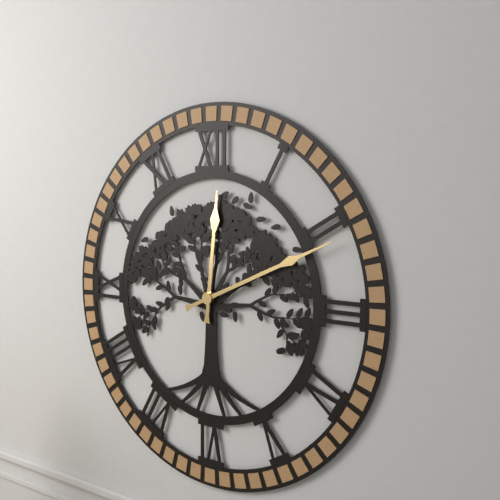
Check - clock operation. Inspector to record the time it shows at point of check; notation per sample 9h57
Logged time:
12h11
